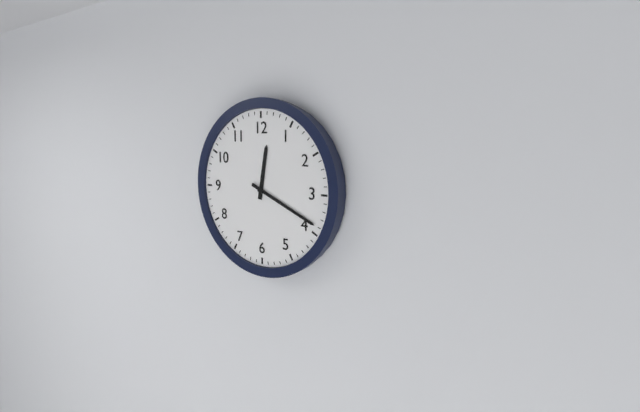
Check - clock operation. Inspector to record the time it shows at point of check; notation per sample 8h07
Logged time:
12h19
